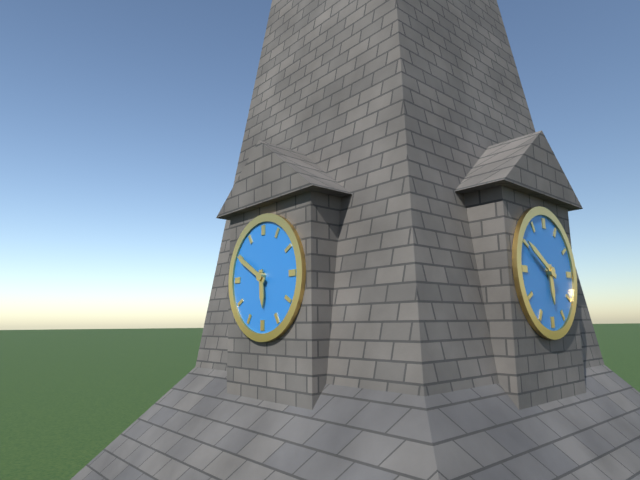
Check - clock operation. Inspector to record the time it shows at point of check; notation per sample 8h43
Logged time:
5h50
